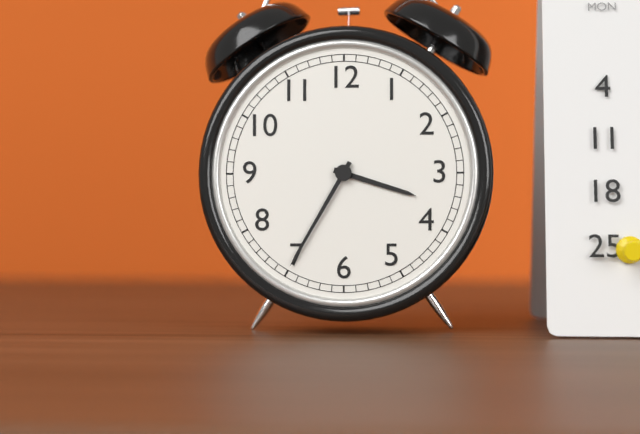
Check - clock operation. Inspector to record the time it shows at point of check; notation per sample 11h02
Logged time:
3h35
